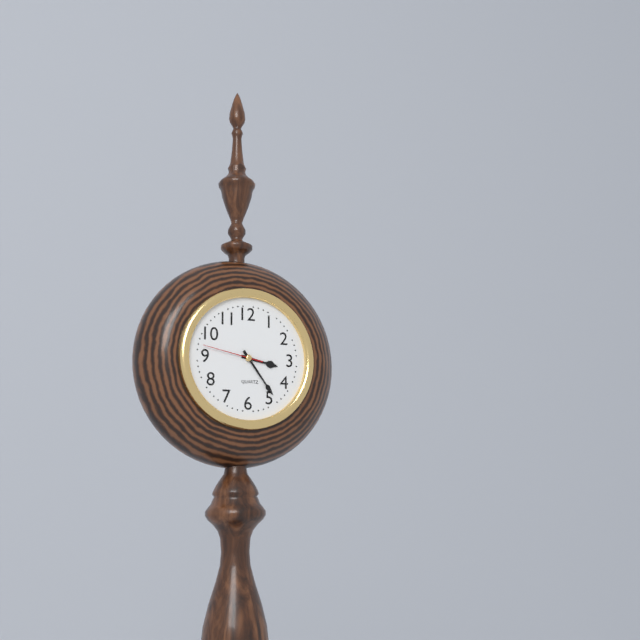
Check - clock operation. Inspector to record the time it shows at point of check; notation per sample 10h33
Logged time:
3h24
